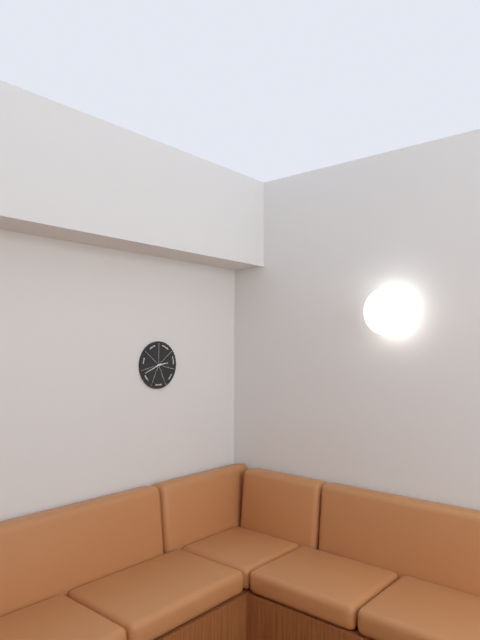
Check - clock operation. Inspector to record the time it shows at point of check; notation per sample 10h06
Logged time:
2h41
